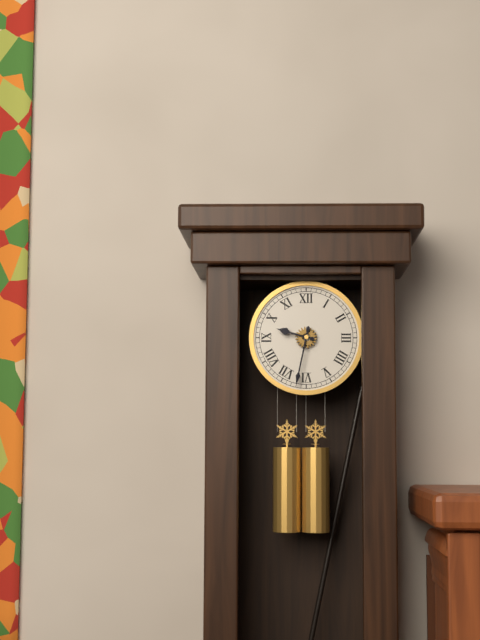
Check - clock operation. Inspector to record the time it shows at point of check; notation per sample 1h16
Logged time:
9h32
